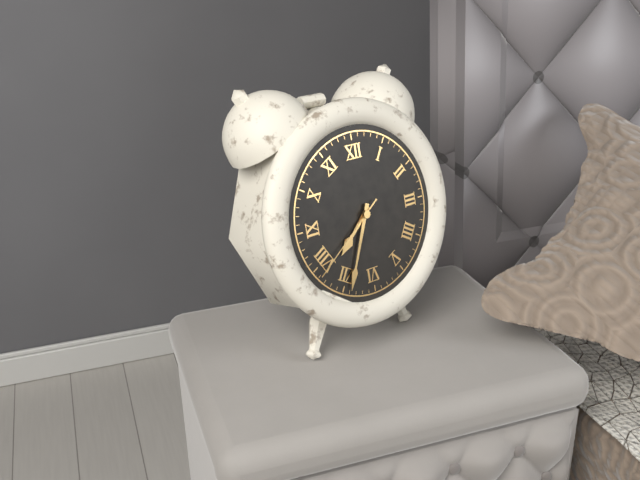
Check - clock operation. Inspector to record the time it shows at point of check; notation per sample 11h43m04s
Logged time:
7h34m39s
